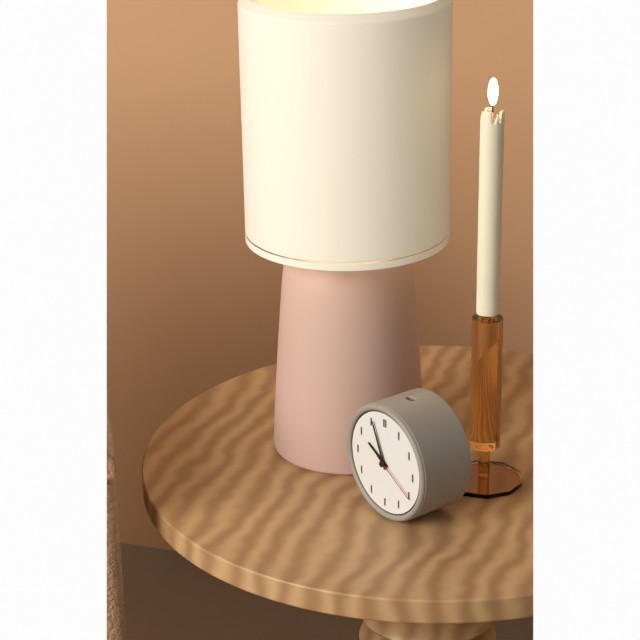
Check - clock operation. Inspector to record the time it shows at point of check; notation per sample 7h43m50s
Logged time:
9h56m20s
